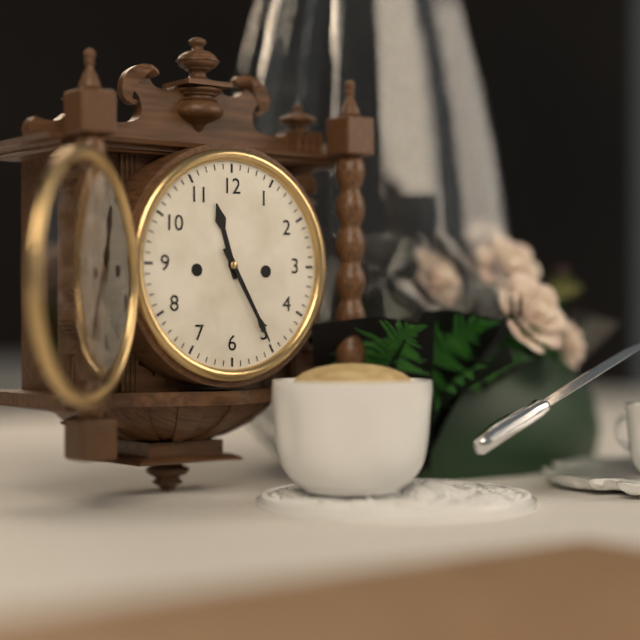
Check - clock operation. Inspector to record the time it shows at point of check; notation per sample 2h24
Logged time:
11h25
